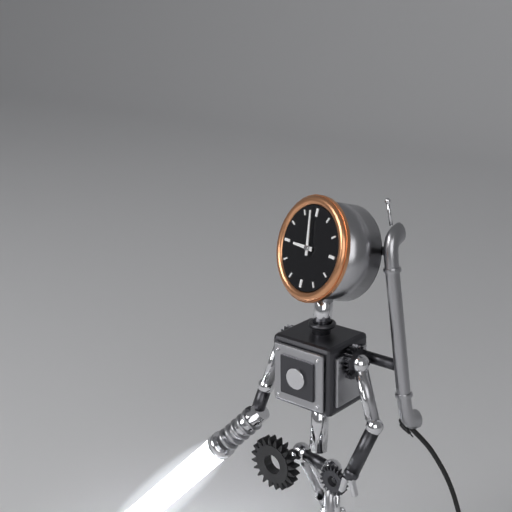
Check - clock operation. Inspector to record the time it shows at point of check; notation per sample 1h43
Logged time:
8h58
